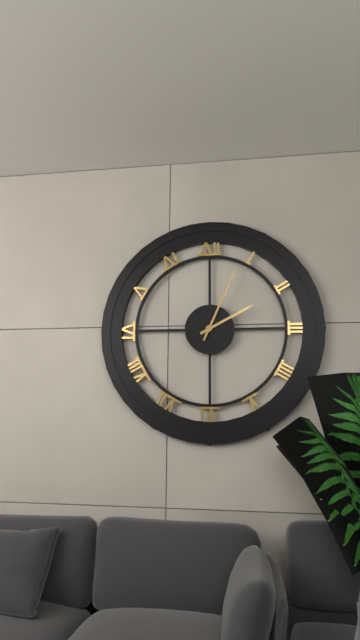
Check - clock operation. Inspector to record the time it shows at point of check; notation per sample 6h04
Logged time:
2h04
